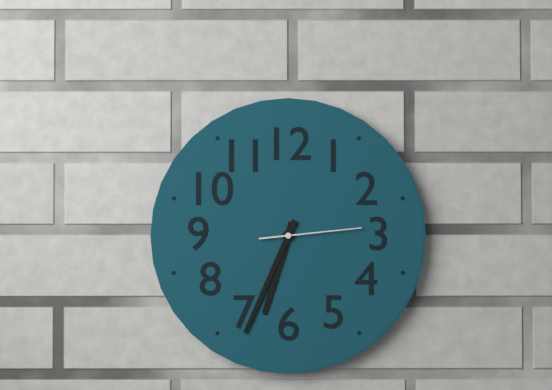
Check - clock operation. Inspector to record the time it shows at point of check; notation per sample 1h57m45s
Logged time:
6h34m14s
